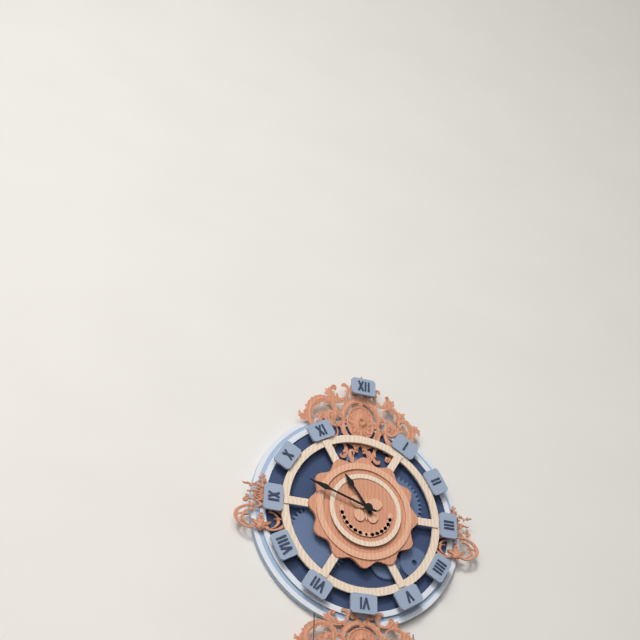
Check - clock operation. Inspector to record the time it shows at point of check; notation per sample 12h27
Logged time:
10h48
